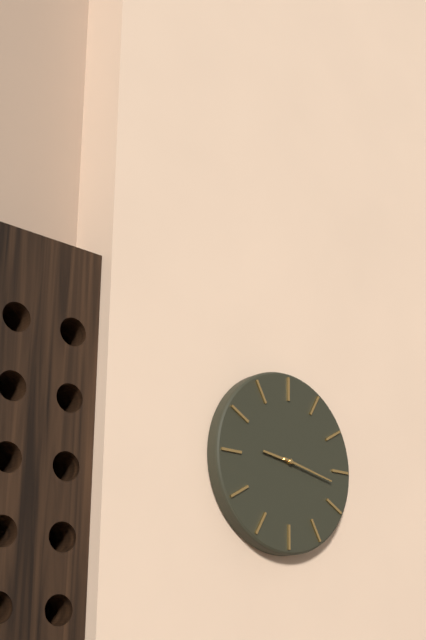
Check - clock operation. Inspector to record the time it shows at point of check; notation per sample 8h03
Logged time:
9h17
